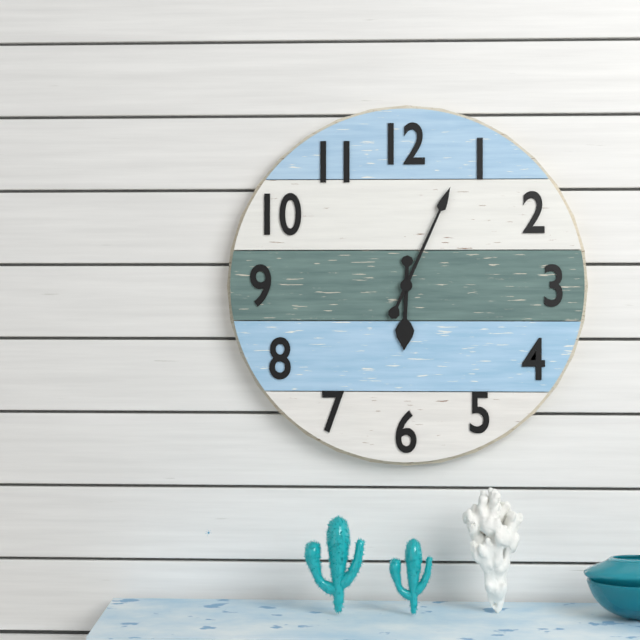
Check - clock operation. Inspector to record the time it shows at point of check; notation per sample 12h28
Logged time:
6h04
